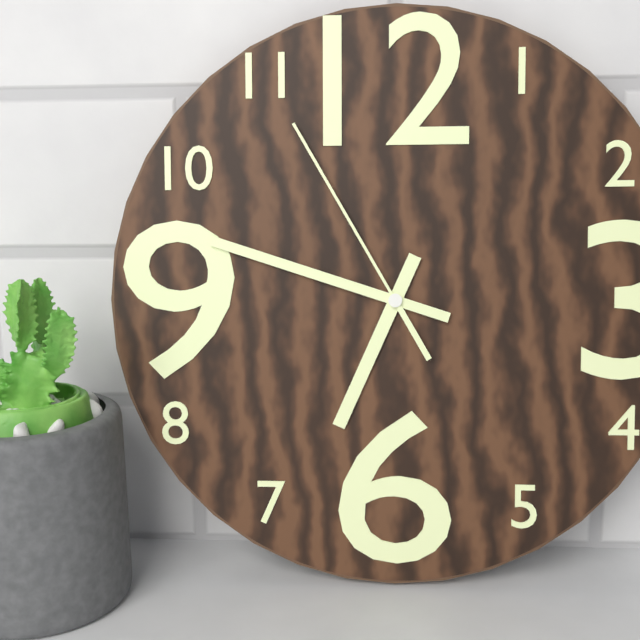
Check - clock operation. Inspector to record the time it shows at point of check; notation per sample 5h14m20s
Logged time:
6h48m55s
